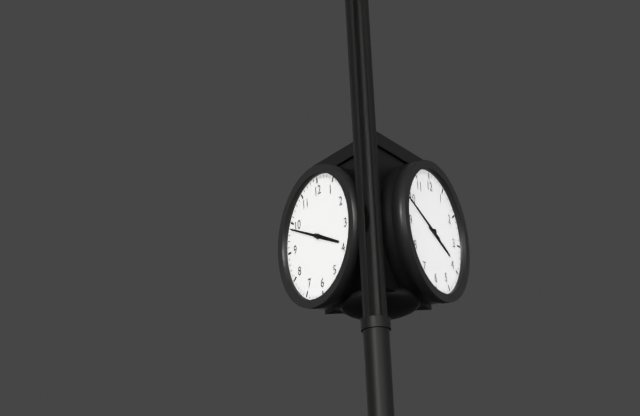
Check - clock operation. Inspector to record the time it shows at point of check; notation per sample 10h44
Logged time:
3h49
